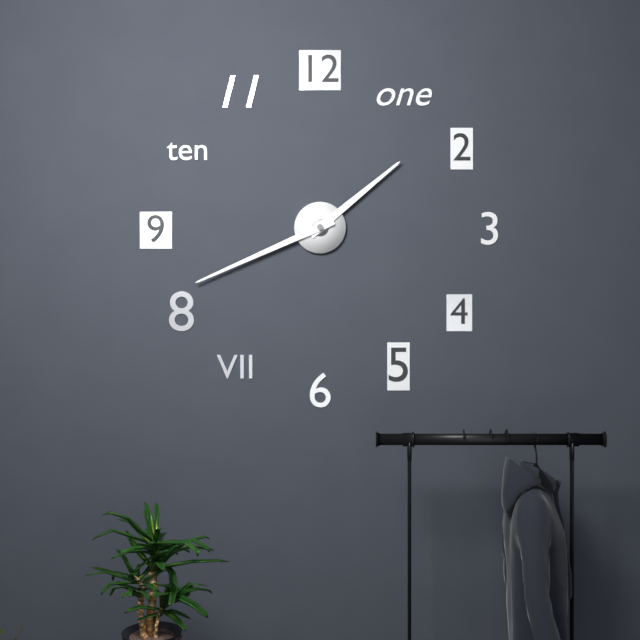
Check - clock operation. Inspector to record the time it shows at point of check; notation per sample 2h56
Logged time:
1h41
